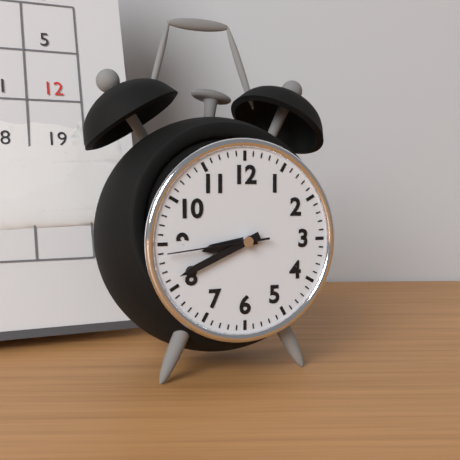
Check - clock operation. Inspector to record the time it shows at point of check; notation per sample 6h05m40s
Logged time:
8h41m44s
